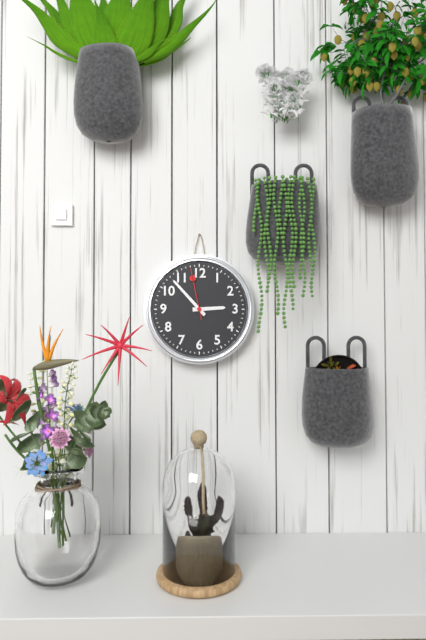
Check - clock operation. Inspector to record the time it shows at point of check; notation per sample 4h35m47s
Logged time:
2h53m58s
